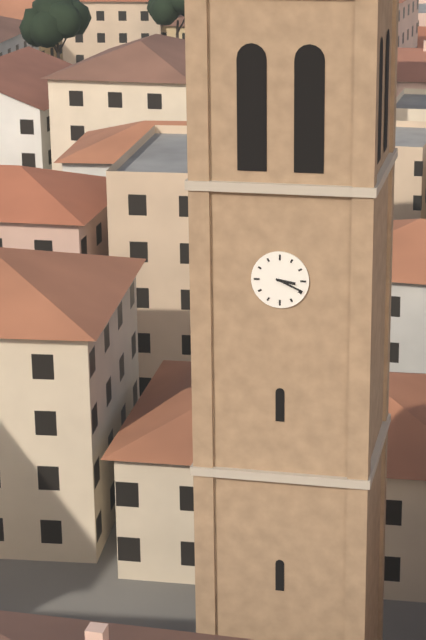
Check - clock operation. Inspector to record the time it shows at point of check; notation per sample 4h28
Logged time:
3h19
